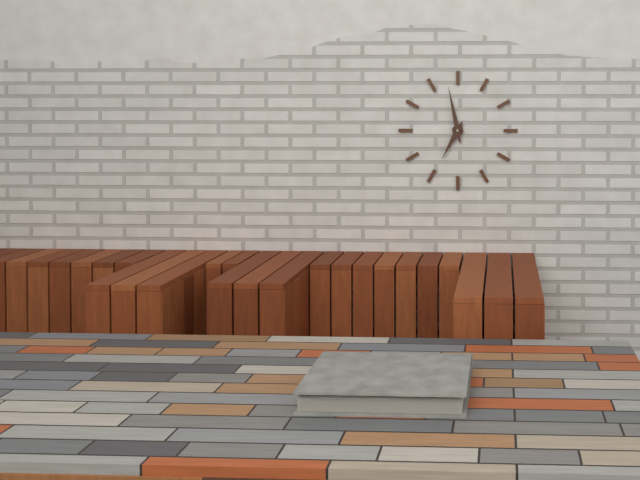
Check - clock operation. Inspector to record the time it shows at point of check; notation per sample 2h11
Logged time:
6h58
